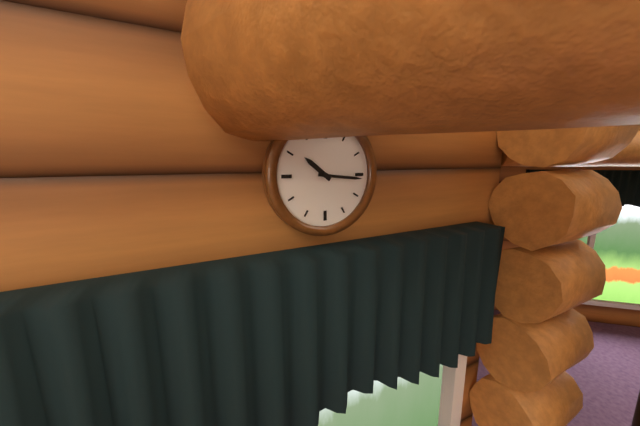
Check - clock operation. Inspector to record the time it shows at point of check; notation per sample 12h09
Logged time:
10h16
